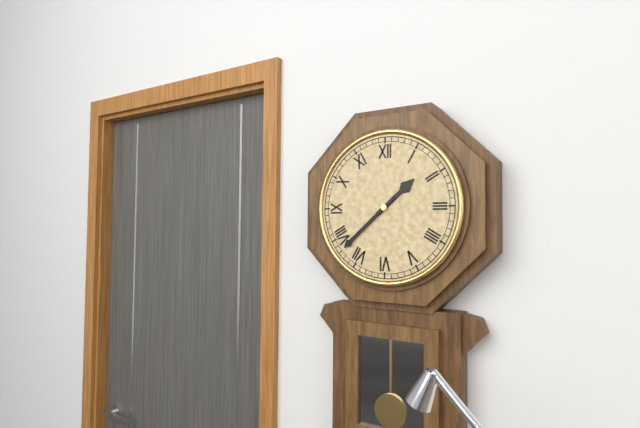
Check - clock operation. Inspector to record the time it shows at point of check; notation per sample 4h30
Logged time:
1h38
